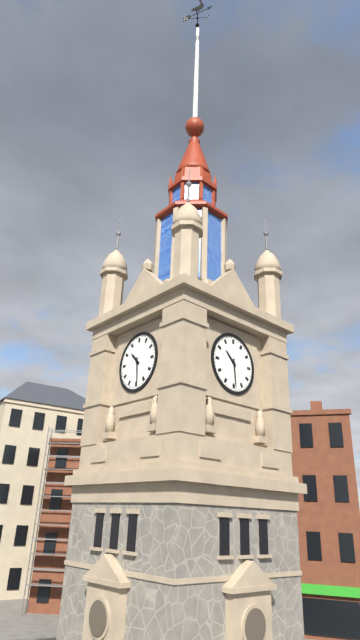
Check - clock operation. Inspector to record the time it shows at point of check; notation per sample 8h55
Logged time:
10h29
